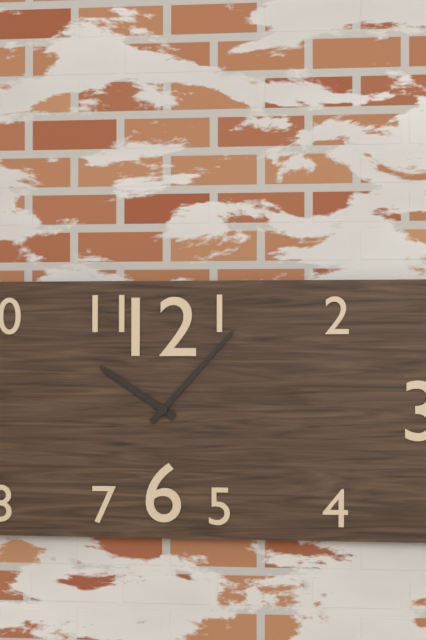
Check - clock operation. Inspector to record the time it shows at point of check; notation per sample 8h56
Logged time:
10h07
